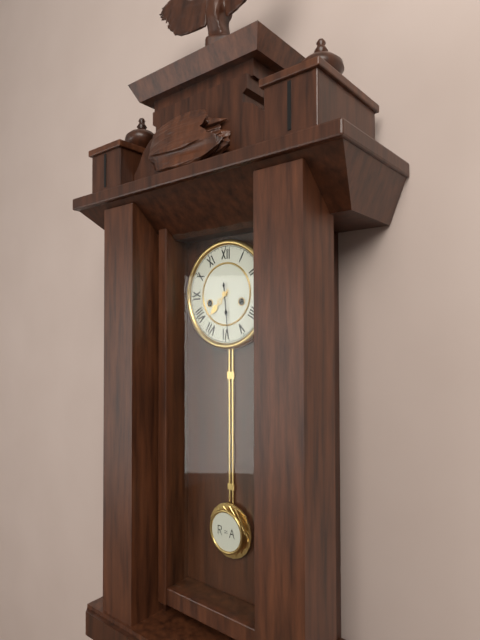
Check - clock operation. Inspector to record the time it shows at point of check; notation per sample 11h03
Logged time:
7h29
